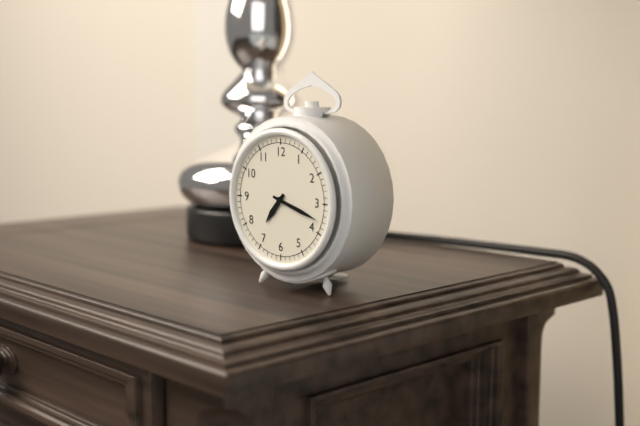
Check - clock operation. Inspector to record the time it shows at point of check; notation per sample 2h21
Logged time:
7h18
